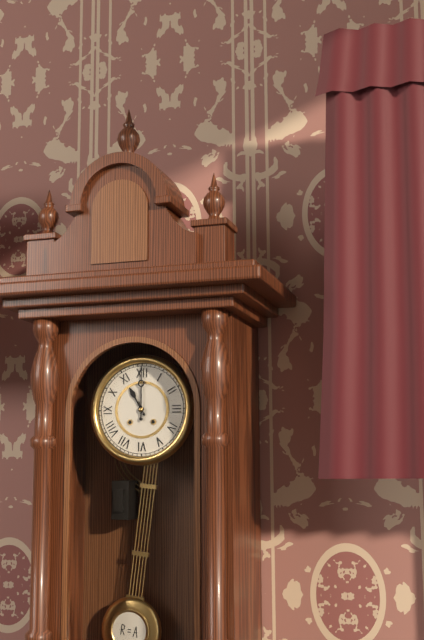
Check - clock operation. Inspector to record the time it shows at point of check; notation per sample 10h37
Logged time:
11h00
